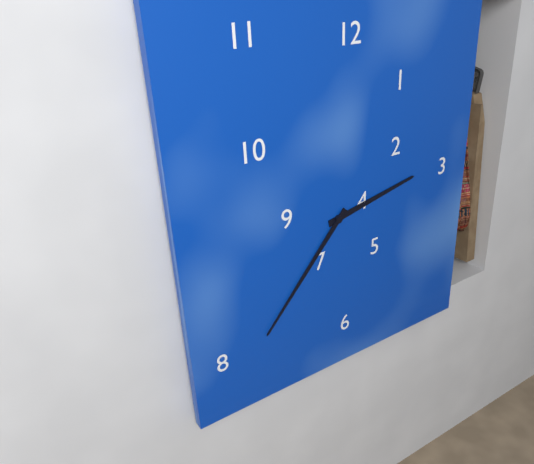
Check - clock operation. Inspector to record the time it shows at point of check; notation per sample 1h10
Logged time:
2h37
